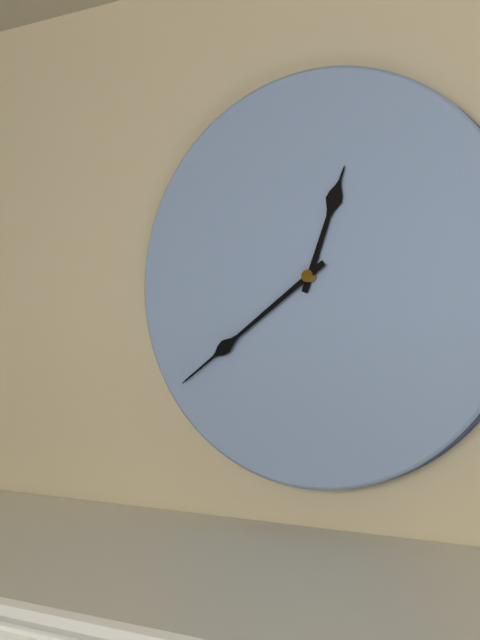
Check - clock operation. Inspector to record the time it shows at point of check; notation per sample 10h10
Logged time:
12h39
